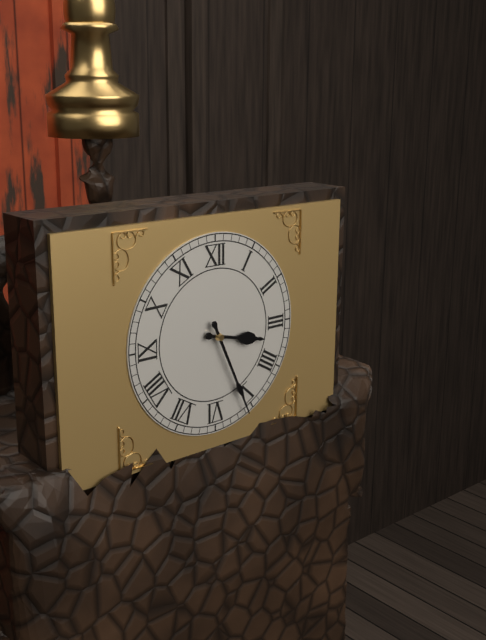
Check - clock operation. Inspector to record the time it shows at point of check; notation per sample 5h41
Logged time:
3h26
